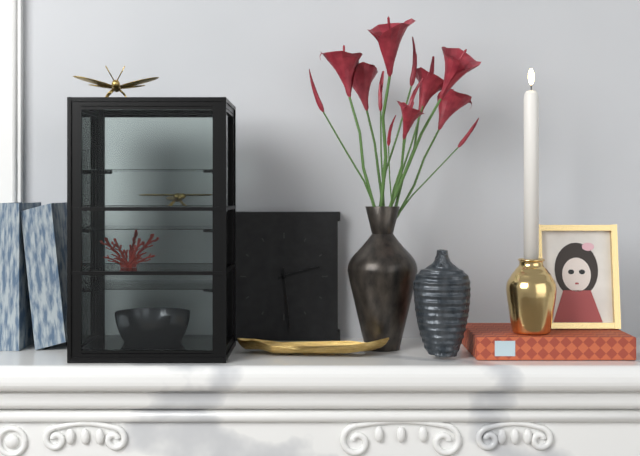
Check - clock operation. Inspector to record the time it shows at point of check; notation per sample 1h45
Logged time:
2h29
